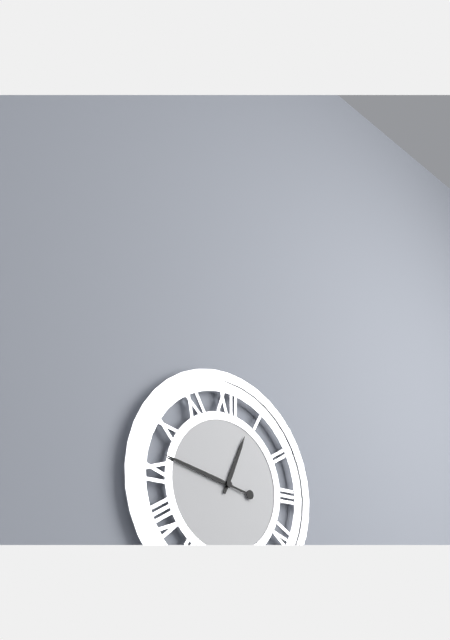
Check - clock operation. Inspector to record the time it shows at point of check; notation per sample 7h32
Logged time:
12h47
